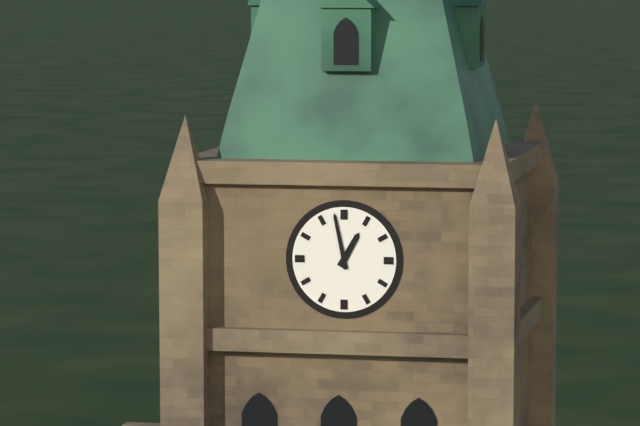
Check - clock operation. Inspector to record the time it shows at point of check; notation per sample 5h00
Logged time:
12h58
